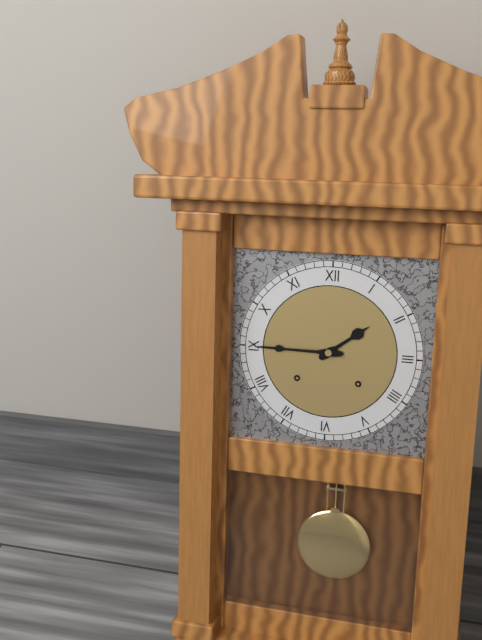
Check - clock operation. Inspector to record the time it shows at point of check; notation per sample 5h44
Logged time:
1h45
